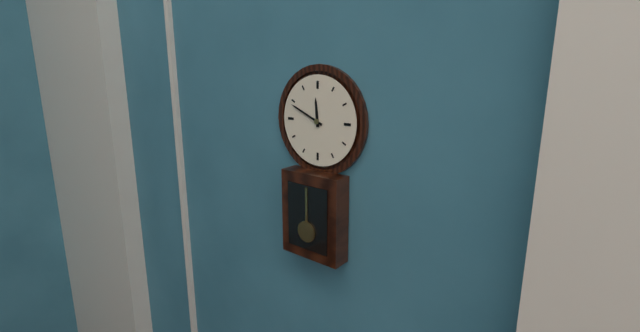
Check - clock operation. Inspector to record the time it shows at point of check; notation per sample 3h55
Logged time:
11h49
